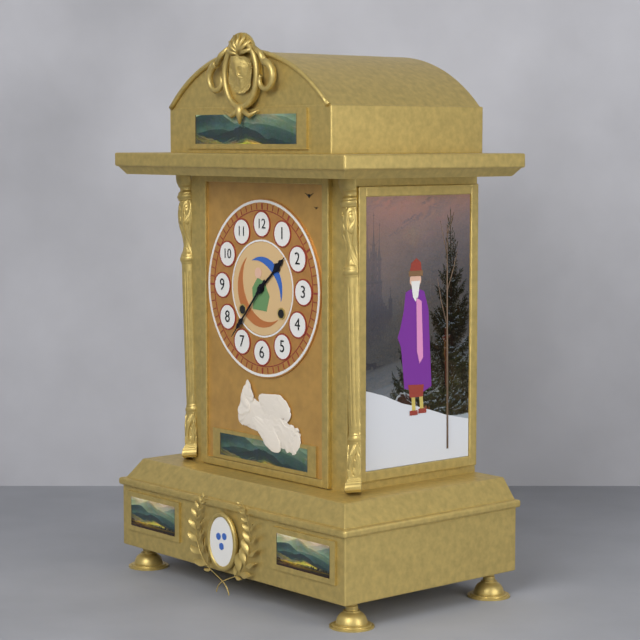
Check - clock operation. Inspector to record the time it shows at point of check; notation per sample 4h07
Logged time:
1h37
